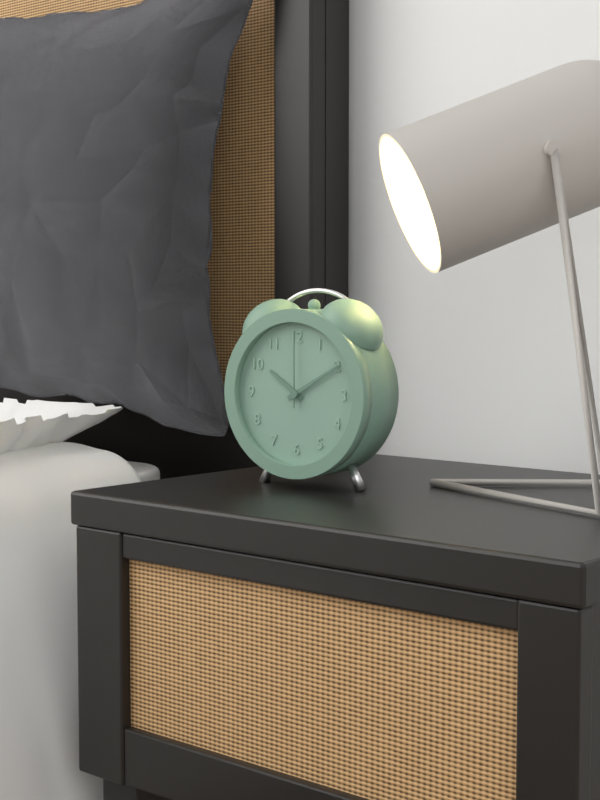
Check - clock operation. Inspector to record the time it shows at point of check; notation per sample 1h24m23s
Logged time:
10h10m00s
